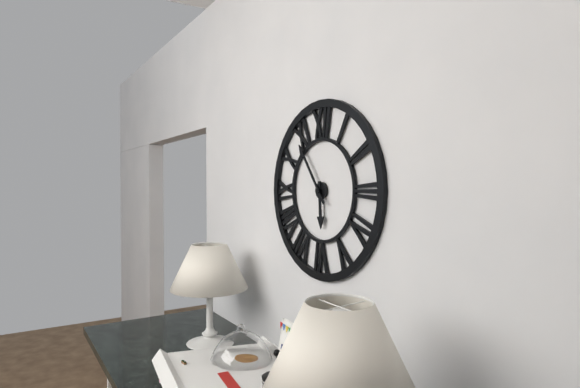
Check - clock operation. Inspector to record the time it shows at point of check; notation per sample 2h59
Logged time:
5h54
